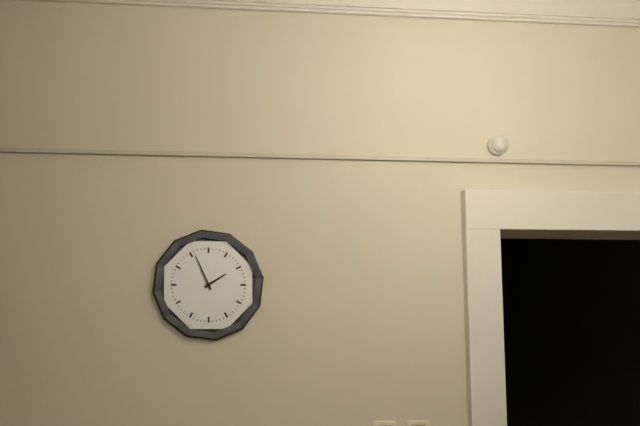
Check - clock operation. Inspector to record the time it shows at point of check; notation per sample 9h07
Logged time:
1h56
